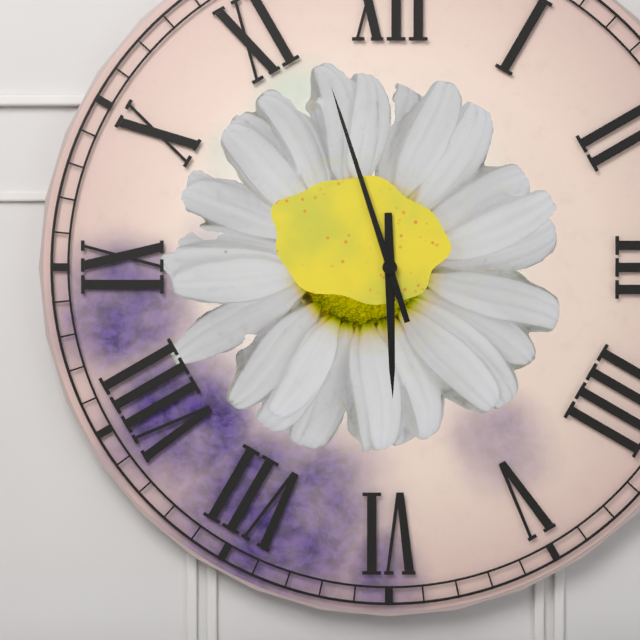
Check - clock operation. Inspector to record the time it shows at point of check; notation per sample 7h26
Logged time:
5h57
